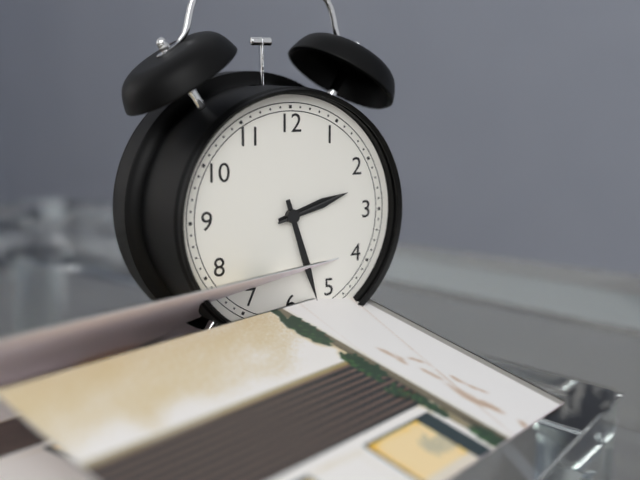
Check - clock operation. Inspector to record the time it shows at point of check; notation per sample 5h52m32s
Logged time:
2h27m12s
